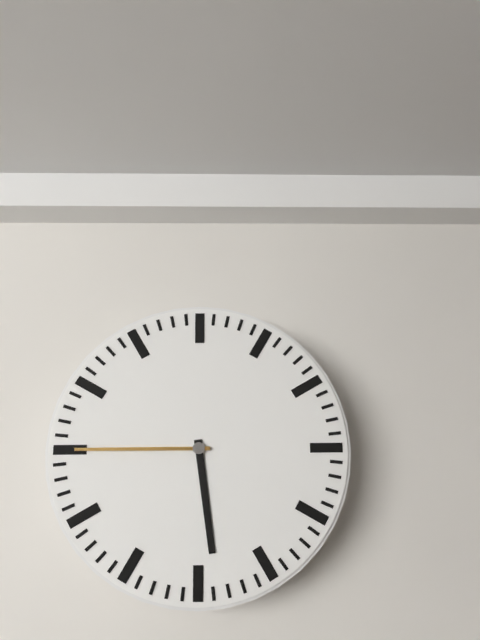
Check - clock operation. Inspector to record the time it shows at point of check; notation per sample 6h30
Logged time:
5h45
